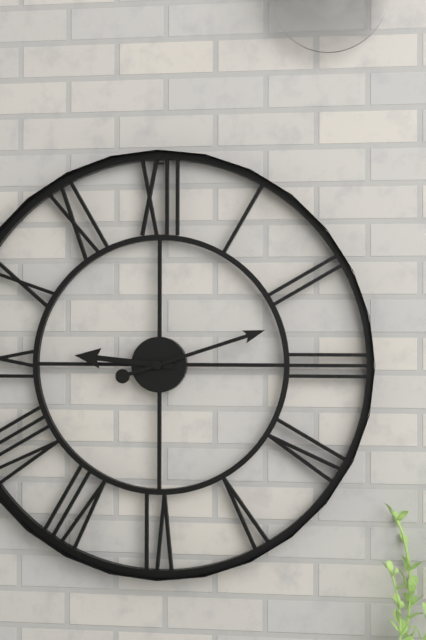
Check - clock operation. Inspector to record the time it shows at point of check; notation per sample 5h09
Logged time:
9h12
